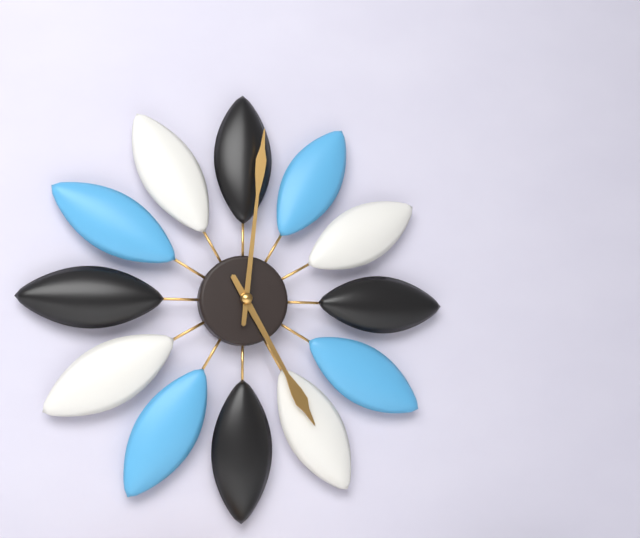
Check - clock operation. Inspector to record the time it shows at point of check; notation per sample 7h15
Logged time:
5h01
